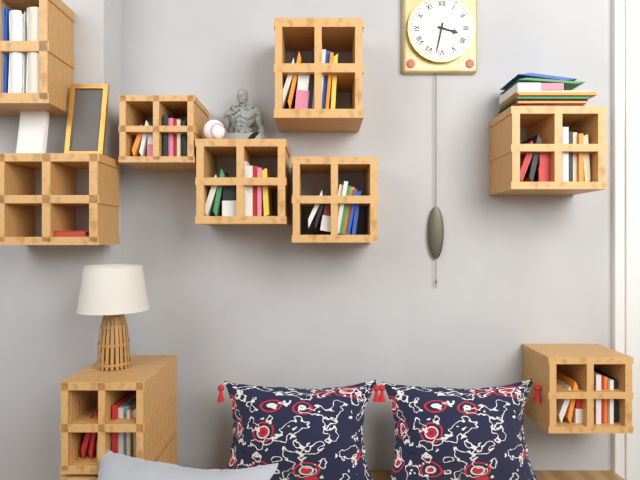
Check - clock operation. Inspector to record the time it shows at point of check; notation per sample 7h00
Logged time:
3h32
